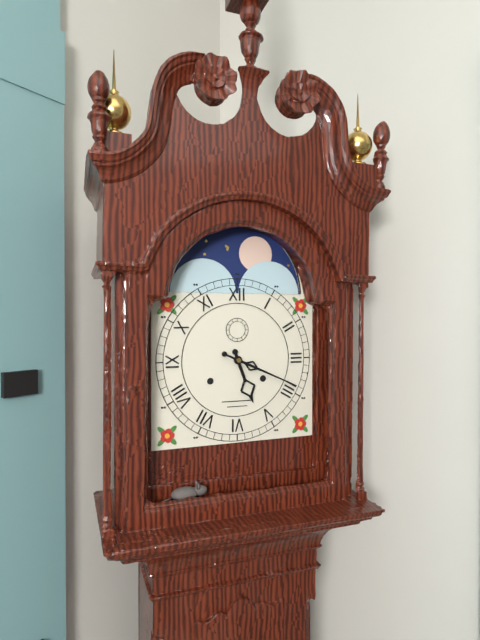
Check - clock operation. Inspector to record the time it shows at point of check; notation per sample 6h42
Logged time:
5h19
